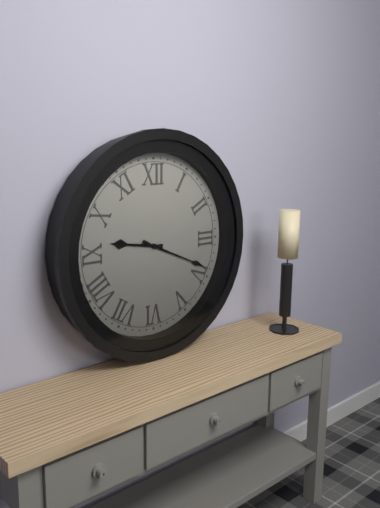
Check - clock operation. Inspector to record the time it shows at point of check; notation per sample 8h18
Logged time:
9h19
